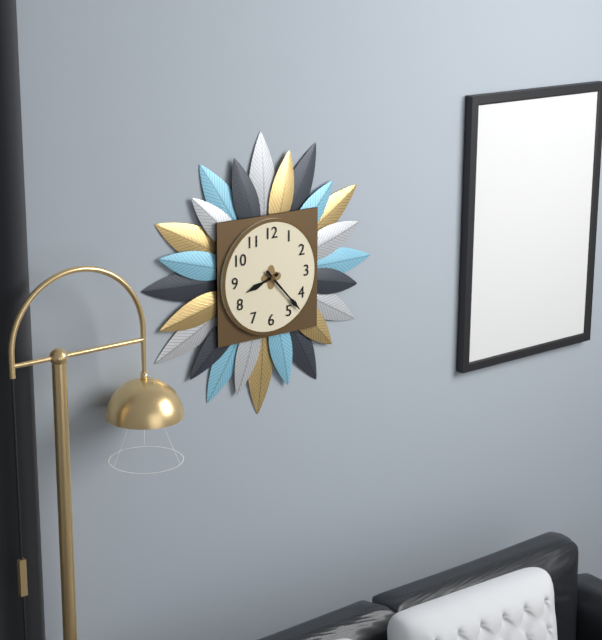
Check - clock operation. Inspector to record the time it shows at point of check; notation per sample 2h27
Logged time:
8h23
